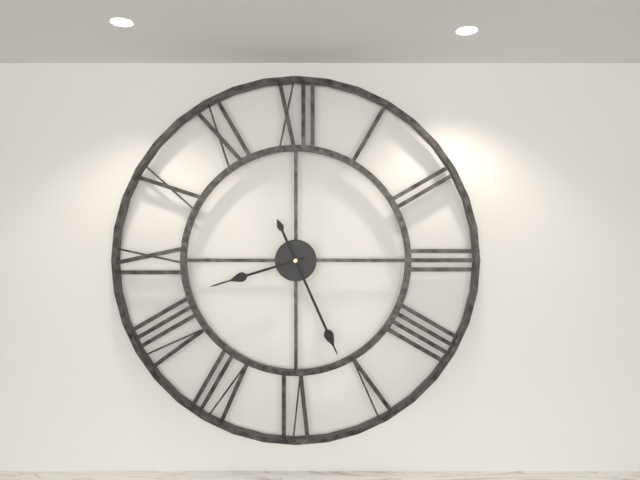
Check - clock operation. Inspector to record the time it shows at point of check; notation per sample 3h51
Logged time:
8h26
